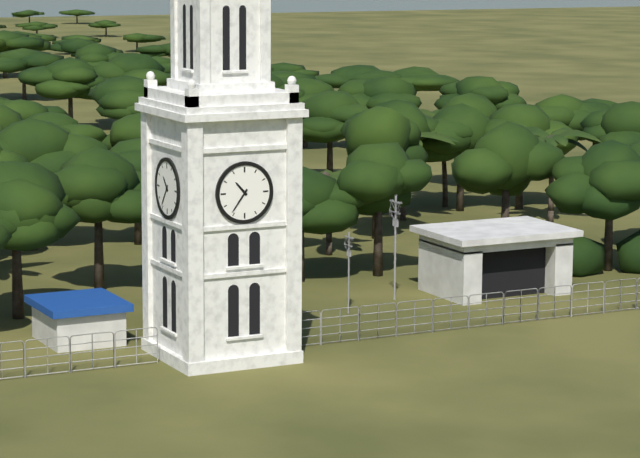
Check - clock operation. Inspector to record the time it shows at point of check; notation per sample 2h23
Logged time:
10h36
